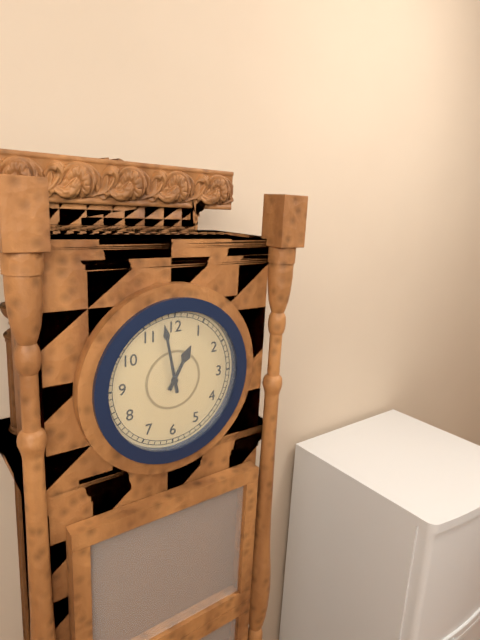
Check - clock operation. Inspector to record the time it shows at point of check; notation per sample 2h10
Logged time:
12h58
